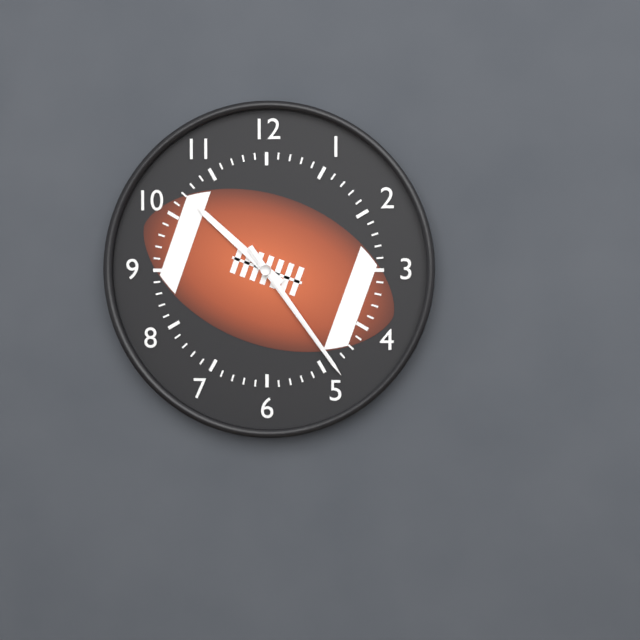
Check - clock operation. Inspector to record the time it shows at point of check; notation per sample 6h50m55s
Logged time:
10h24m24s
